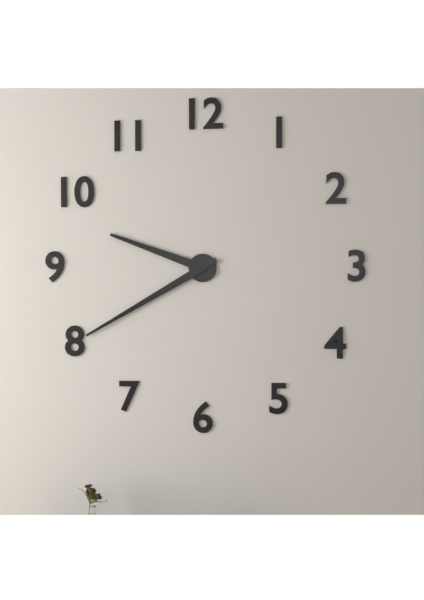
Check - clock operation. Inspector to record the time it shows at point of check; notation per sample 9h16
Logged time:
9h40
